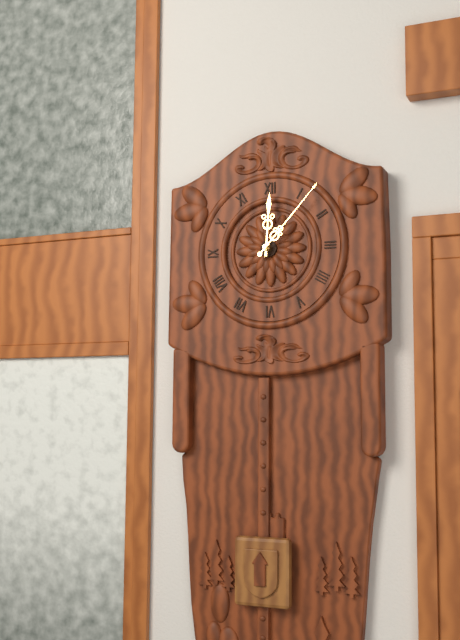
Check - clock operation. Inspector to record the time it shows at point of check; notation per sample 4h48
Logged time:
12h07
